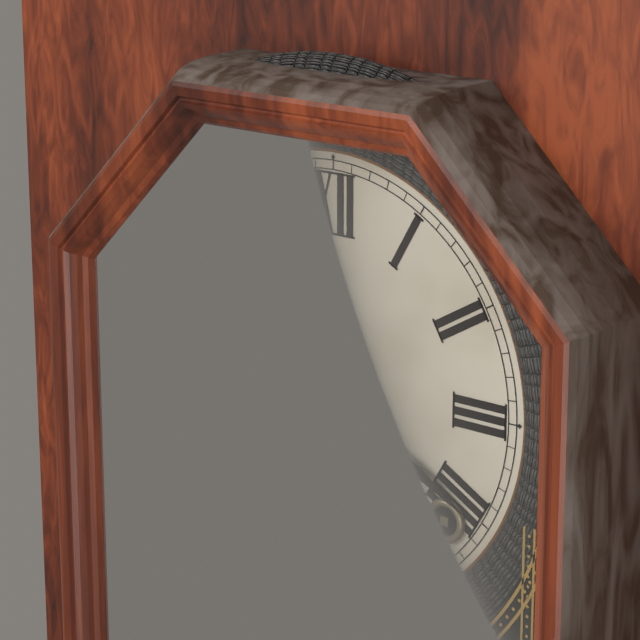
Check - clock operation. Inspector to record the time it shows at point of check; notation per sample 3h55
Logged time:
6h20
